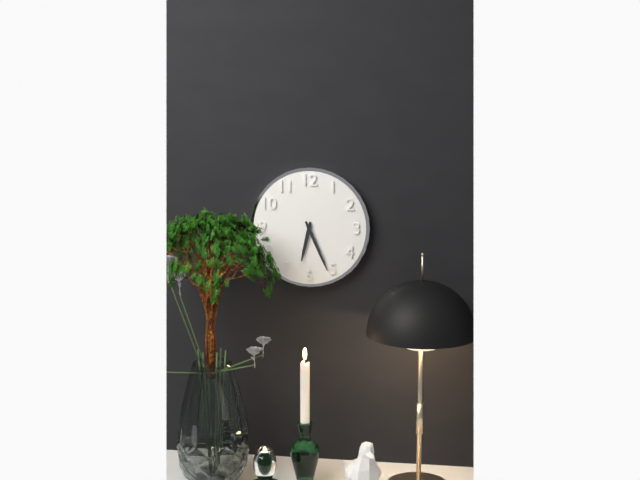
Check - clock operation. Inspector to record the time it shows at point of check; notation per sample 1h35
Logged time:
6h26
